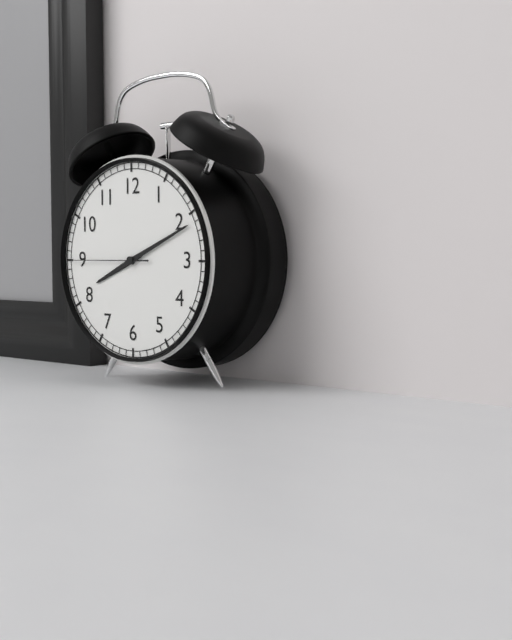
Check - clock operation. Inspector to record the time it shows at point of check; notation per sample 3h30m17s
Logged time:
8h11m45s
